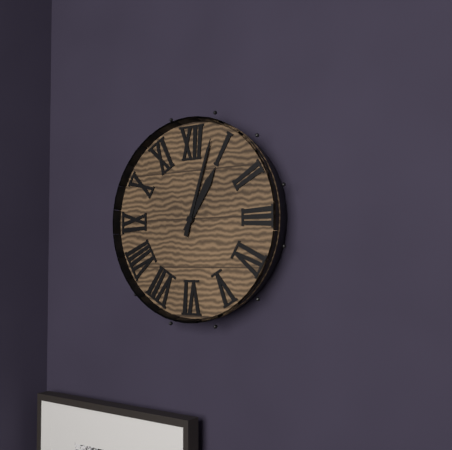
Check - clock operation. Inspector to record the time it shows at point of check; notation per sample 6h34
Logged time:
1h03
